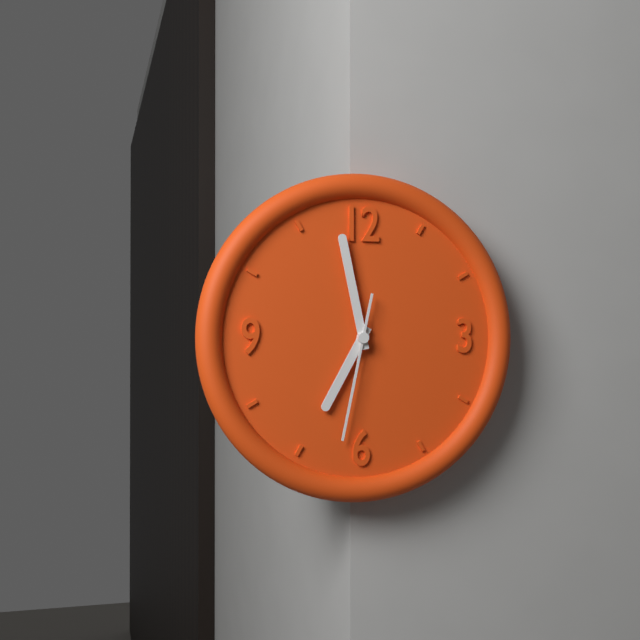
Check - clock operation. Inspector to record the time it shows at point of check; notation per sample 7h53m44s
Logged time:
6h58m32s
